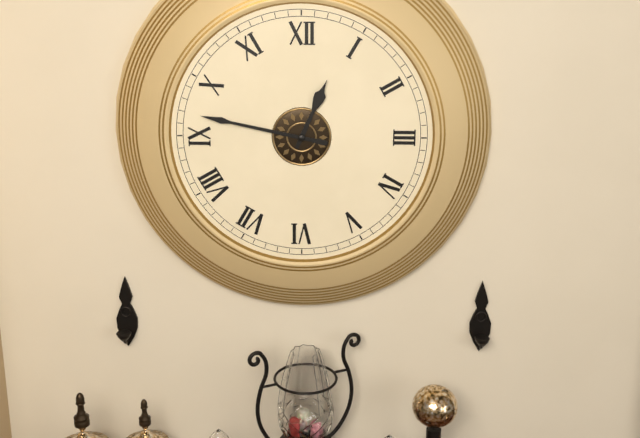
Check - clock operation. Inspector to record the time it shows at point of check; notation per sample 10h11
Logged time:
12h47
